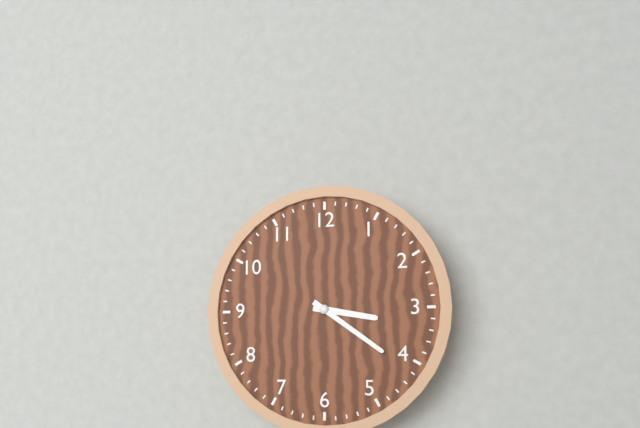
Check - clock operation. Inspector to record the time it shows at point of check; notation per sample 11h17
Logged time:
3h21
